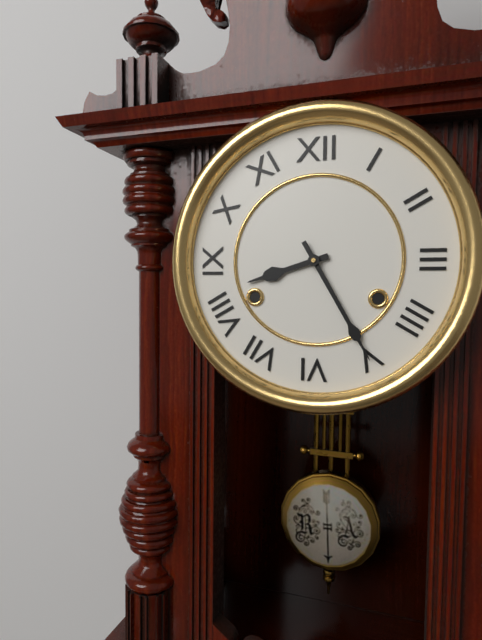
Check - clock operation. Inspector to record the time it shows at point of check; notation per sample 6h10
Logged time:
8h25
